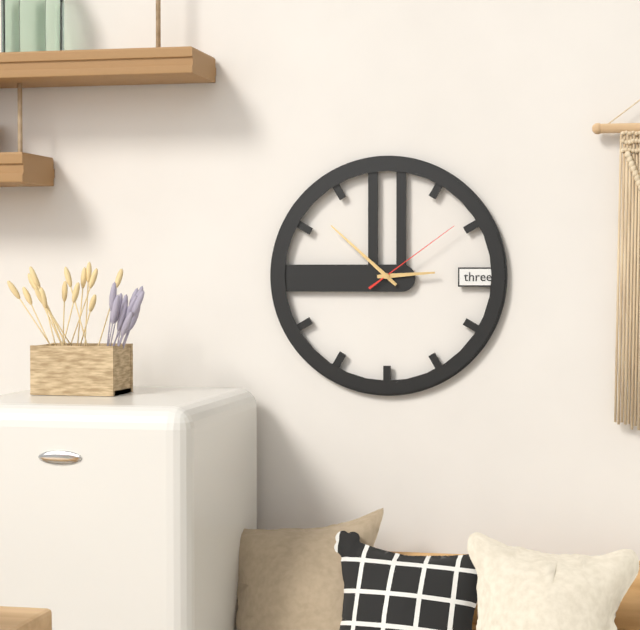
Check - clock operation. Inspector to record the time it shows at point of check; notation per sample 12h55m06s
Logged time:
2h52m09s
